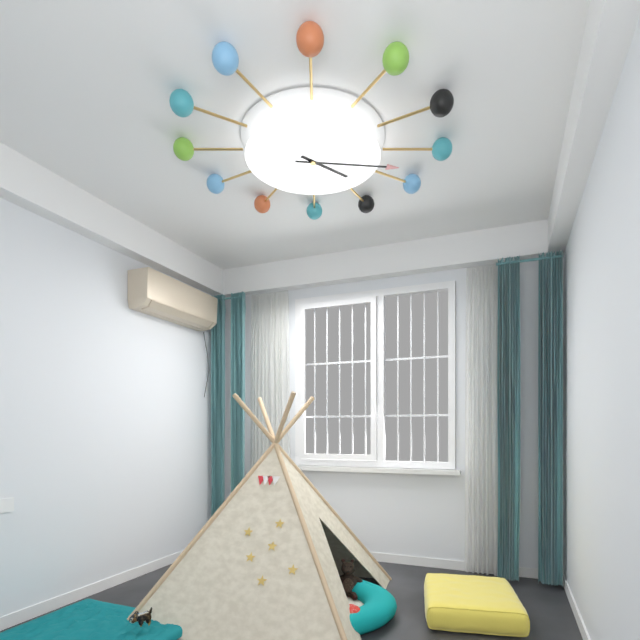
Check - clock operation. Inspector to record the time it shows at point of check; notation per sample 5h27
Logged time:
4h16
